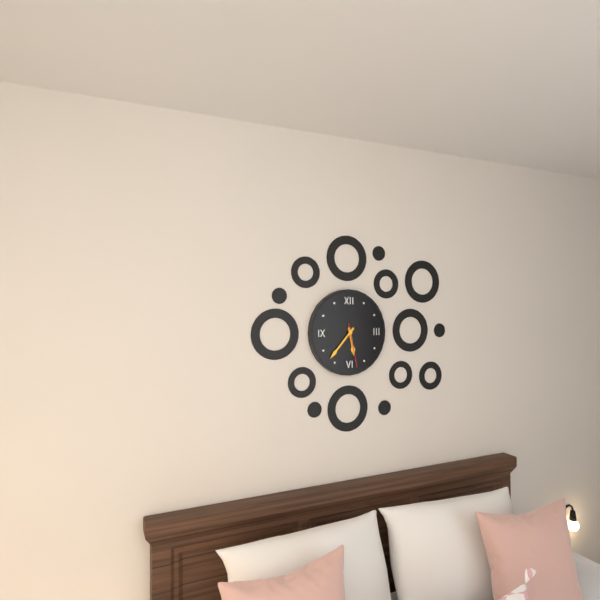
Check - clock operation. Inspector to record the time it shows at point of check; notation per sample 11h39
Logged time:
5h37
